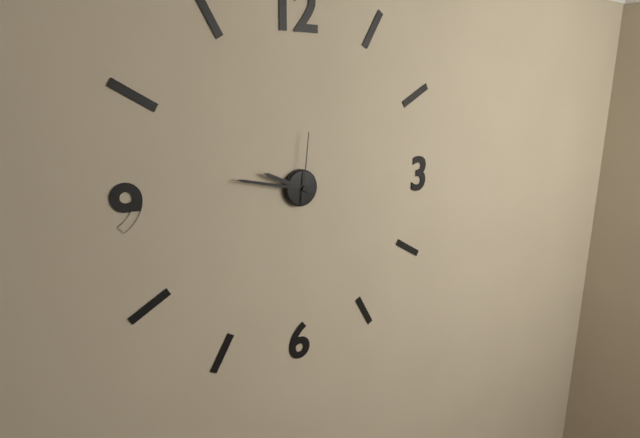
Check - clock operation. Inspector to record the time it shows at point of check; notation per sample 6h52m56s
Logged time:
9h47m01s
